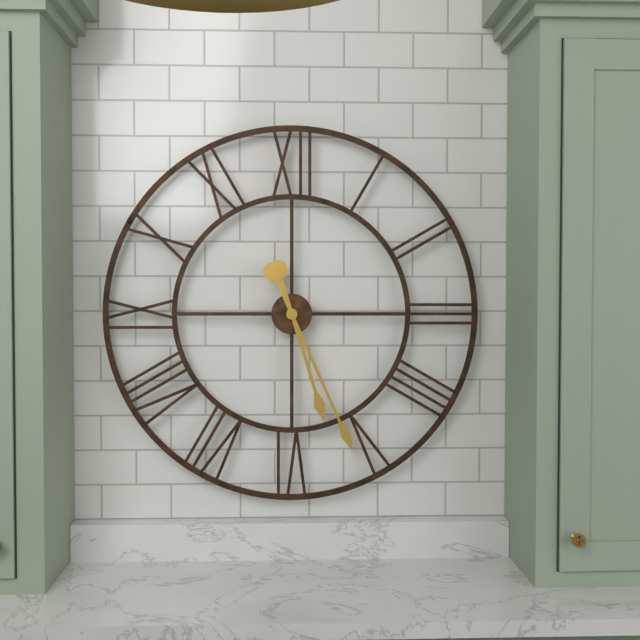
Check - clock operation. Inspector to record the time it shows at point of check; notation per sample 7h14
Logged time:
5h26
